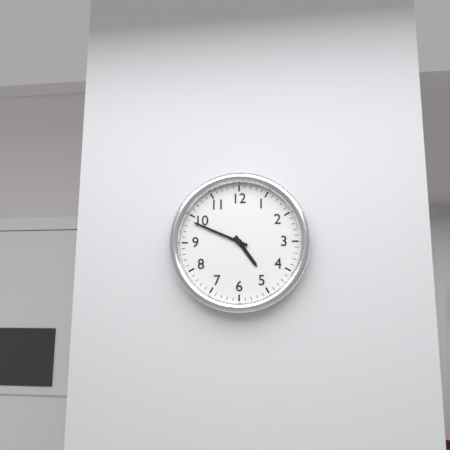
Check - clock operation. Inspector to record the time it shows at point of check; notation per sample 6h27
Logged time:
4h49
